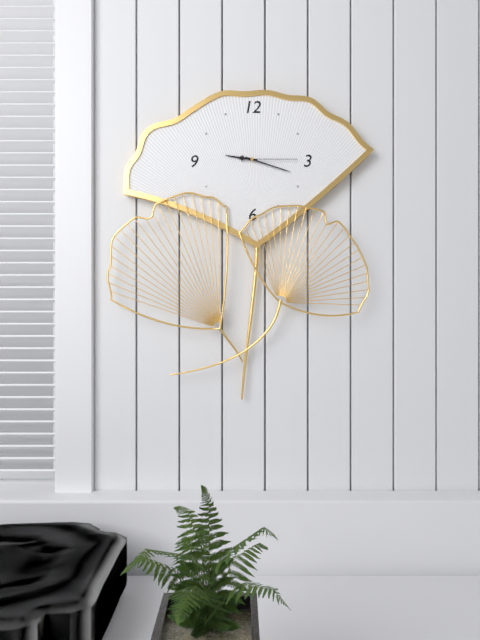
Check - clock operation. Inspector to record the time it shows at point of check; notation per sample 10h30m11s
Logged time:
9h18m15s
